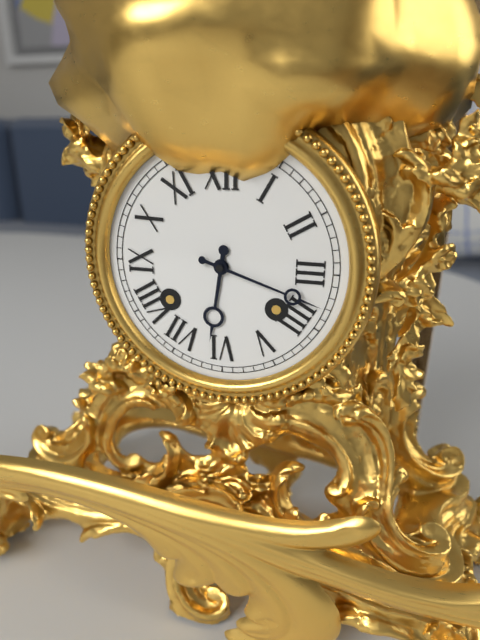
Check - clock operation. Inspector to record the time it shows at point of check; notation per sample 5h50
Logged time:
6h18
